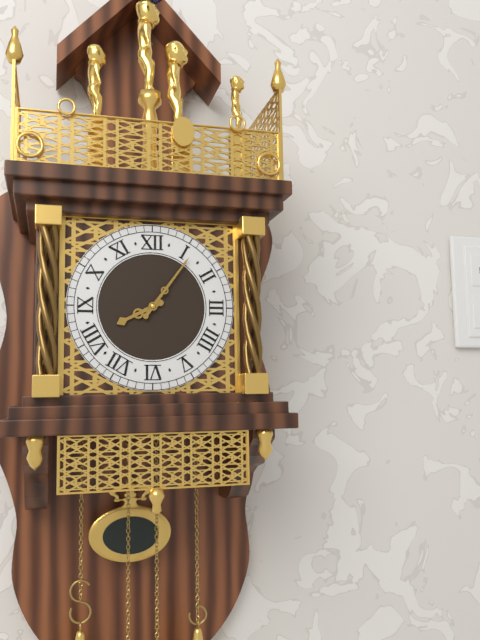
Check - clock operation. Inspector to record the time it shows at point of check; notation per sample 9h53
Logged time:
8h06
